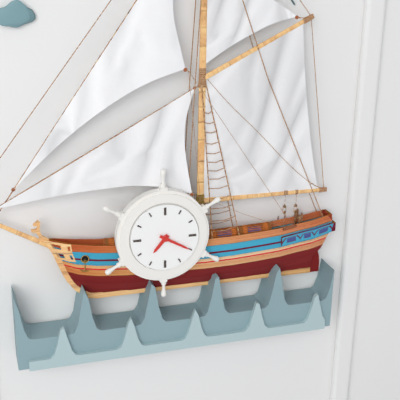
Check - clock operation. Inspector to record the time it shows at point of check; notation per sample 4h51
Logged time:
7h20
